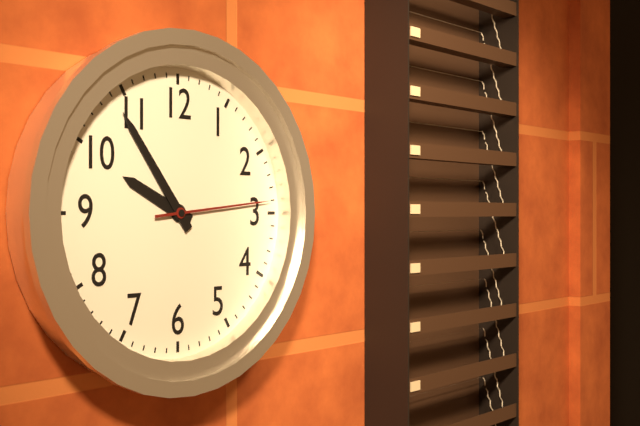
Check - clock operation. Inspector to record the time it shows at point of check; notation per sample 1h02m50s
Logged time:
9h54m14s
